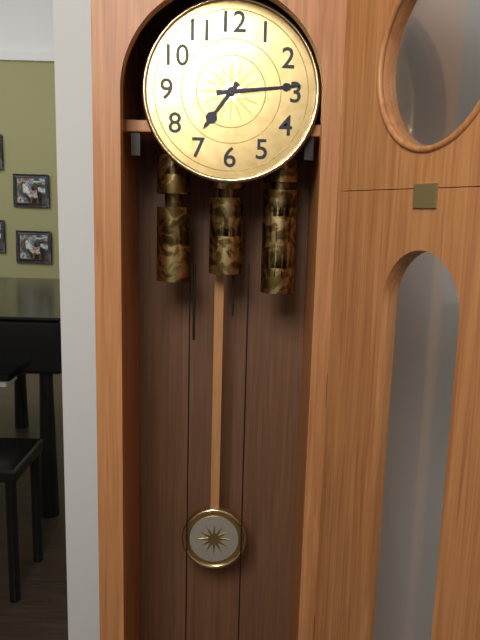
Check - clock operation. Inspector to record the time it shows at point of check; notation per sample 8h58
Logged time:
7h14
